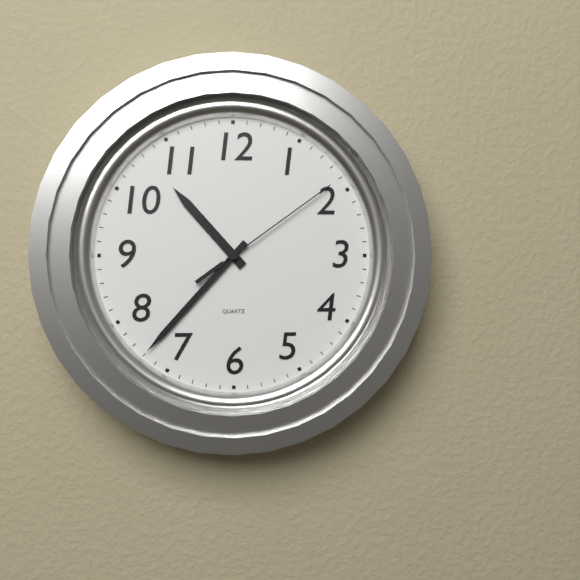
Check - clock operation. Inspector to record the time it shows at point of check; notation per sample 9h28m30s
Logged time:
10h37m09s
